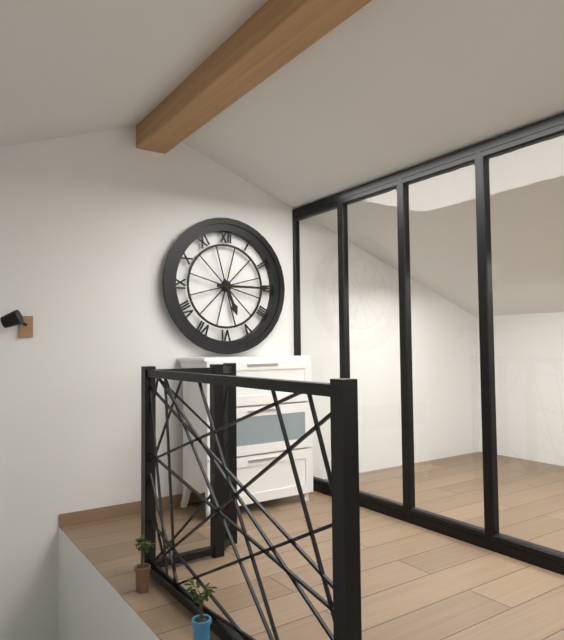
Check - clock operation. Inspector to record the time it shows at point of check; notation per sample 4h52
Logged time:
5h15
